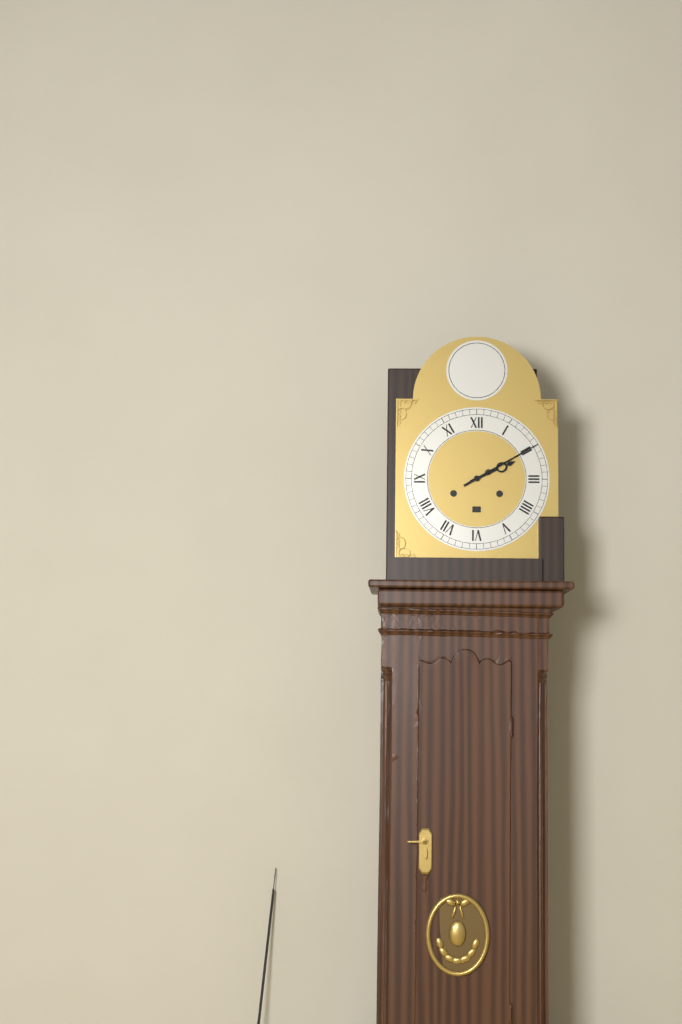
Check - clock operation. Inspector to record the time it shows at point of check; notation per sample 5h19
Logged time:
2h10
